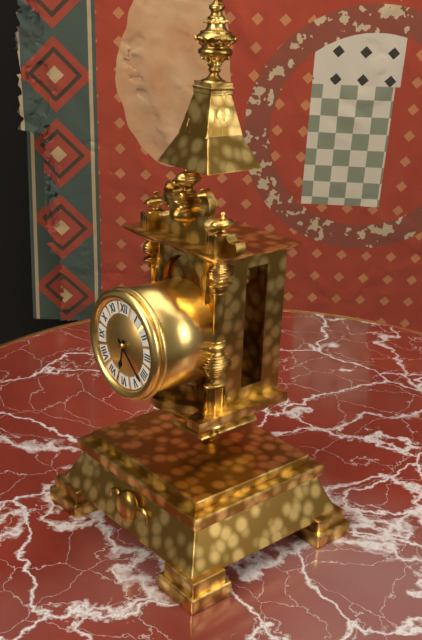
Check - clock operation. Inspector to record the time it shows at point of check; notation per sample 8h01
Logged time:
6h22
